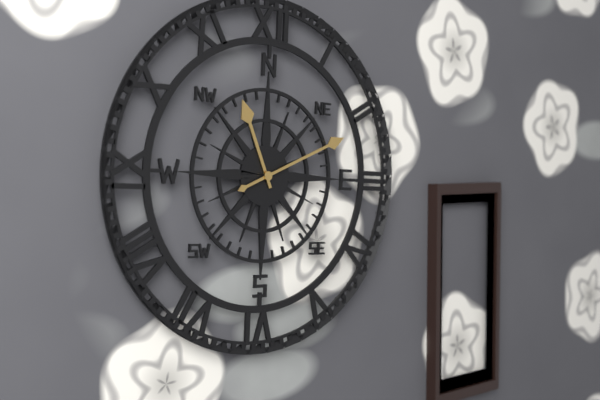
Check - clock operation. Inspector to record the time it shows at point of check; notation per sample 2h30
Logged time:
11h11
